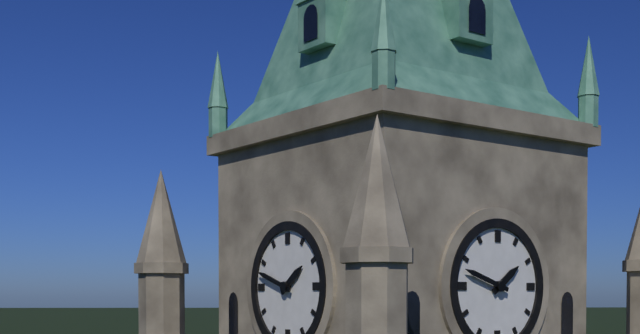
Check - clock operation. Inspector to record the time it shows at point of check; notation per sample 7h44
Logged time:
1h48
